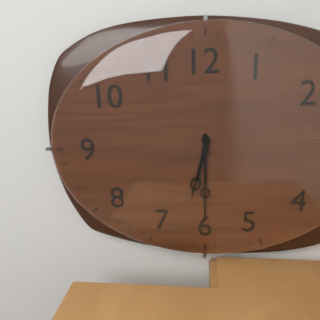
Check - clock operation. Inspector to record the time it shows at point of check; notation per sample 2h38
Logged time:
6h30
